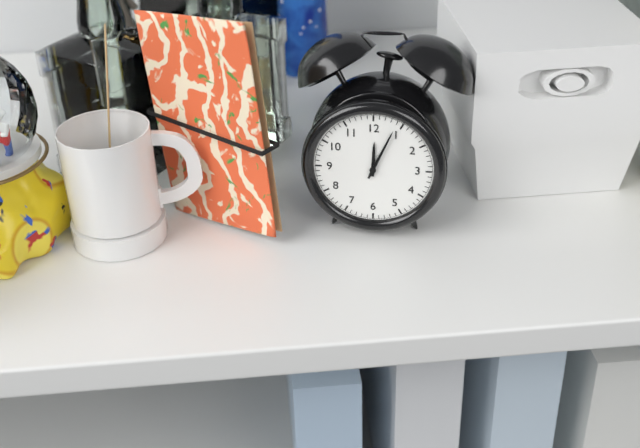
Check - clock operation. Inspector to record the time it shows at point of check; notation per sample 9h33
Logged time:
12h04
